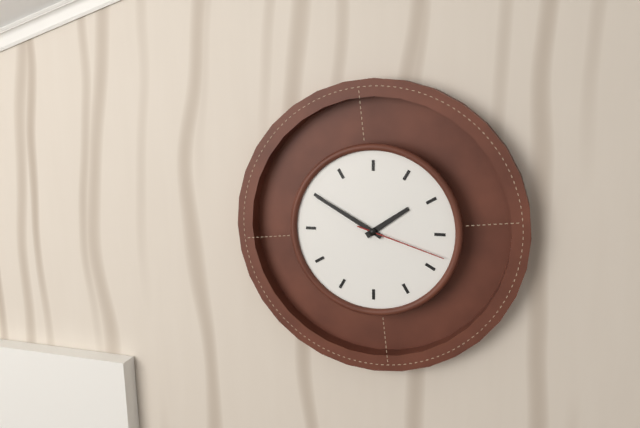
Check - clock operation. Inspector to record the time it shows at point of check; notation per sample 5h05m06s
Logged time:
1h50m18s
